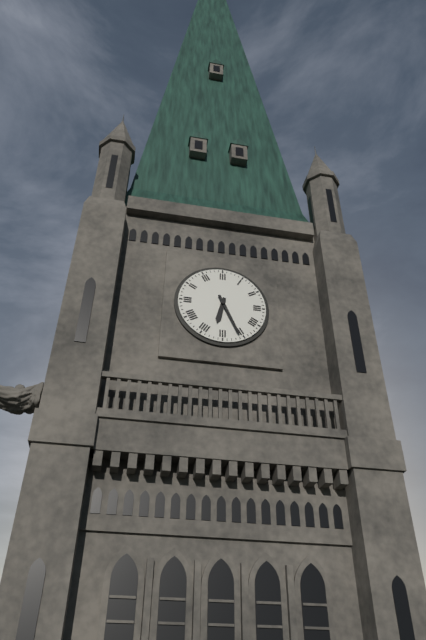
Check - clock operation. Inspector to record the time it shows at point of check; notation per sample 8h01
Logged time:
6h26
